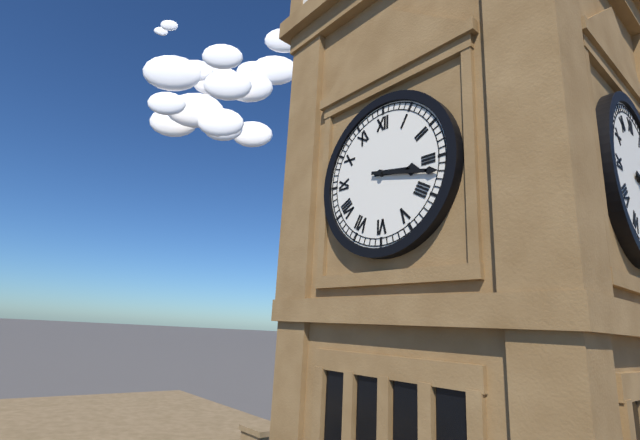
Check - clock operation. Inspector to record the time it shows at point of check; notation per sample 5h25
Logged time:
3h17
